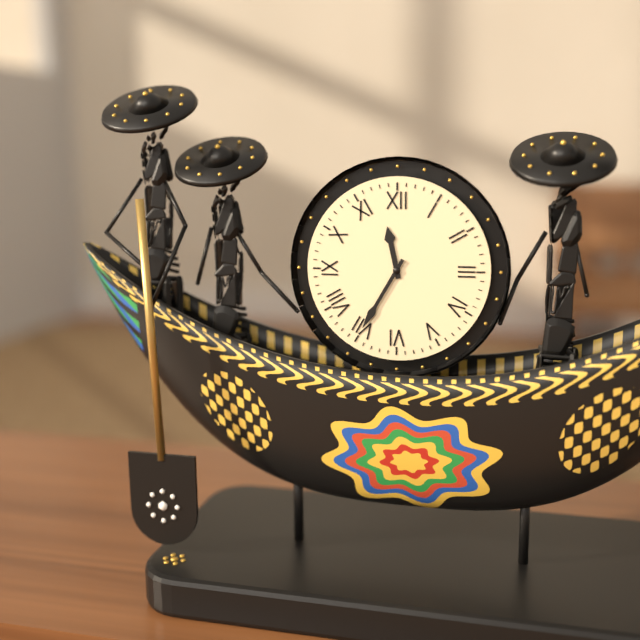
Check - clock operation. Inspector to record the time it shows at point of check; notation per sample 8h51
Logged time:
11h35
